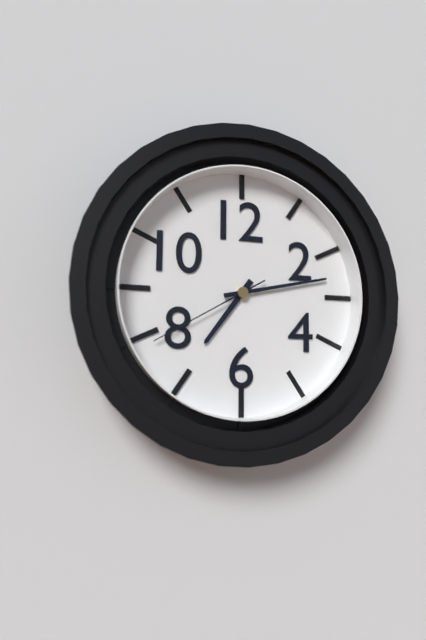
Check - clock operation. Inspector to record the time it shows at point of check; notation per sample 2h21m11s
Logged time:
7h13m40s
